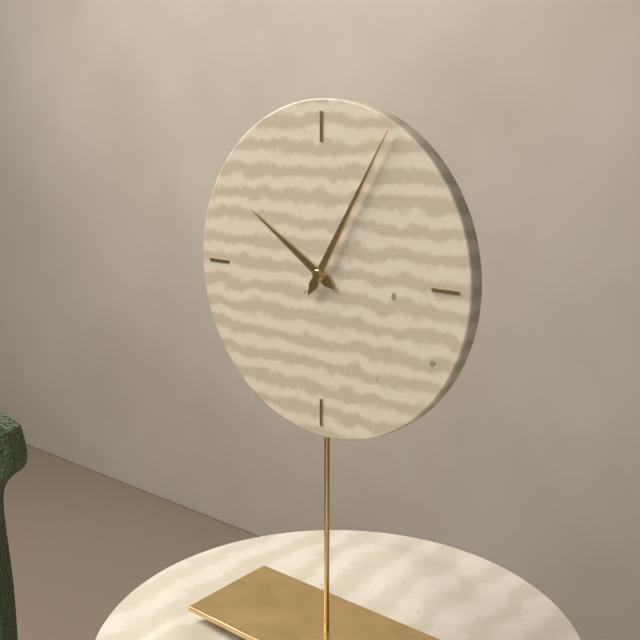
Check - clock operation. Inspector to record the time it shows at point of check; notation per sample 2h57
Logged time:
10h05
